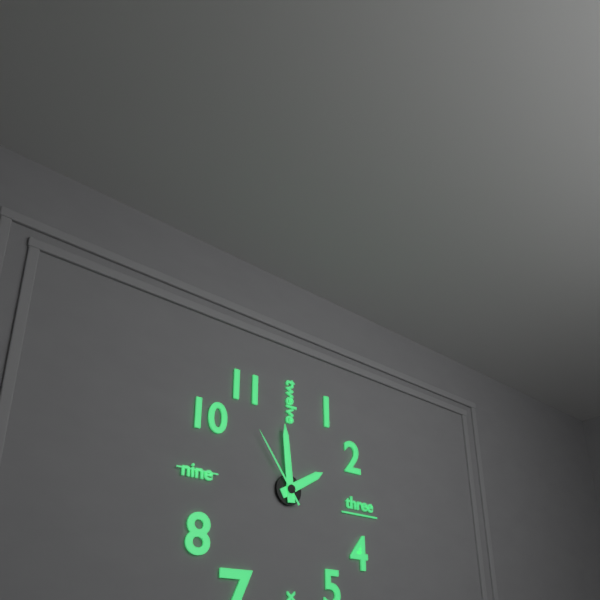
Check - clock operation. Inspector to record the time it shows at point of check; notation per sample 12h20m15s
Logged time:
1h59m54s
